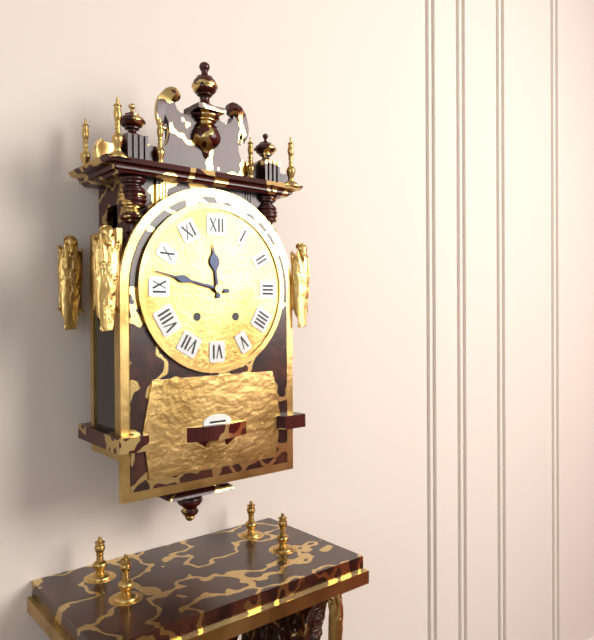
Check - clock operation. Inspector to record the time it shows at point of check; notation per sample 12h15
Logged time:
11h47
